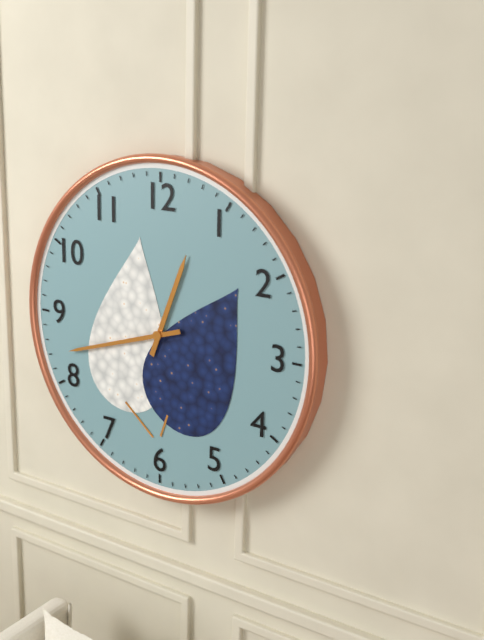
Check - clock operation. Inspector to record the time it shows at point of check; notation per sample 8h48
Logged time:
12h42
